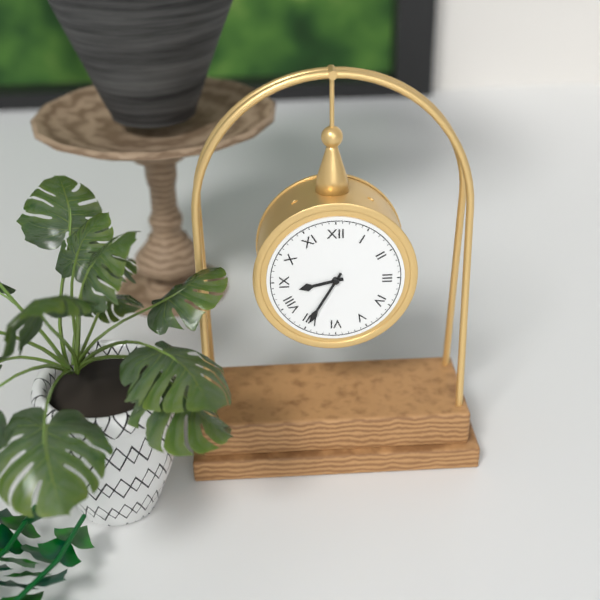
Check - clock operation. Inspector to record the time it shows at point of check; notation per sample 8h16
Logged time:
8h35
